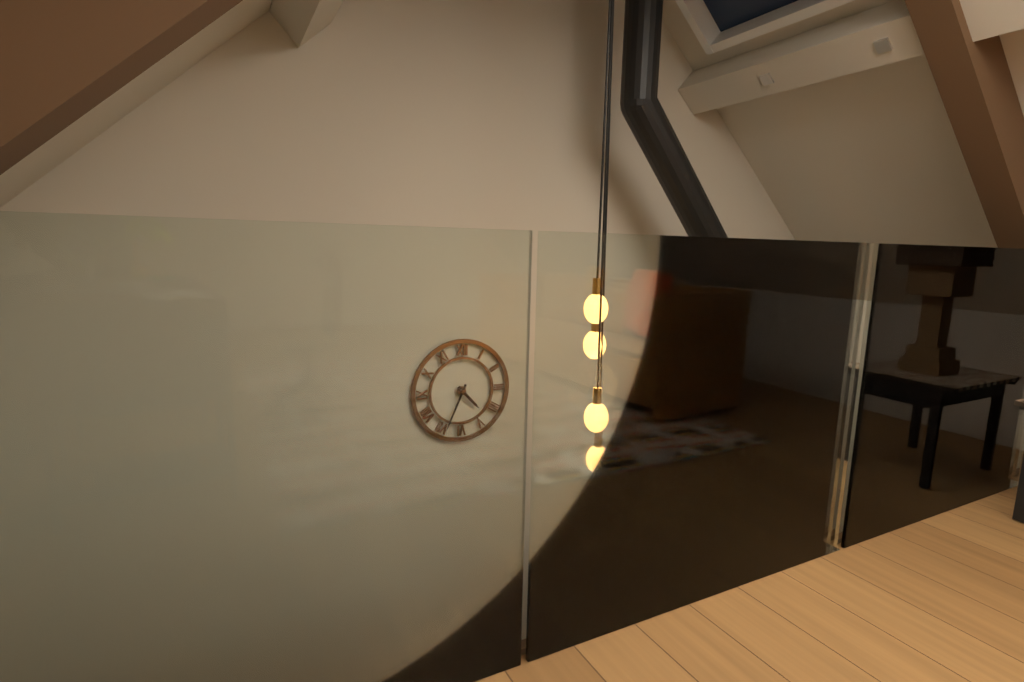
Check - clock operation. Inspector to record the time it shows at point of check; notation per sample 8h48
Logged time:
4h34
